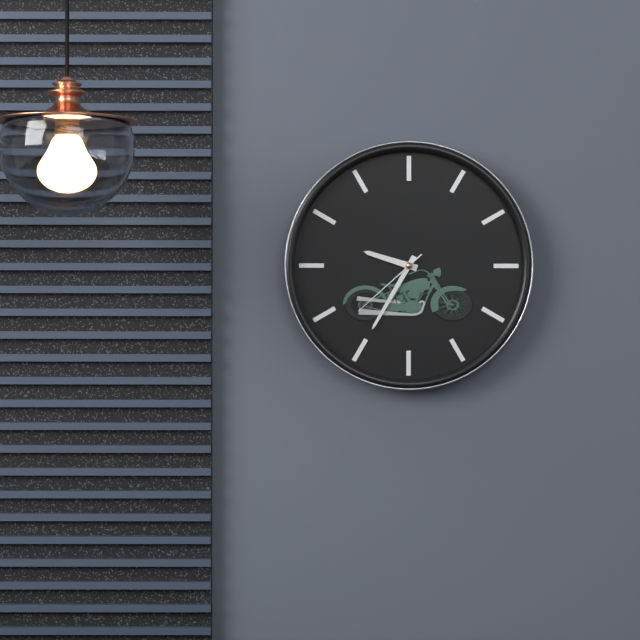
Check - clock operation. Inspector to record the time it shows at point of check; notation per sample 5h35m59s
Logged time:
9h35m38s
